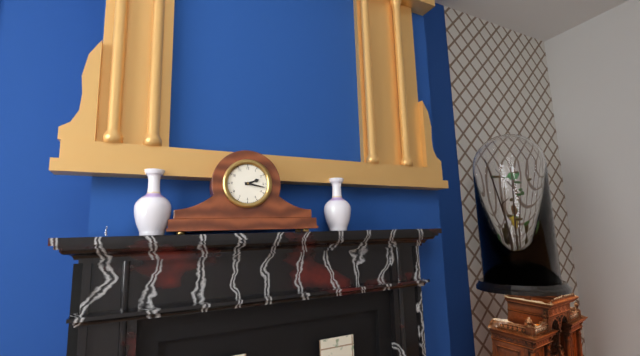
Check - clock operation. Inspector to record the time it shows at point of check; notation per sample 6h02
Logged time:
2h17
